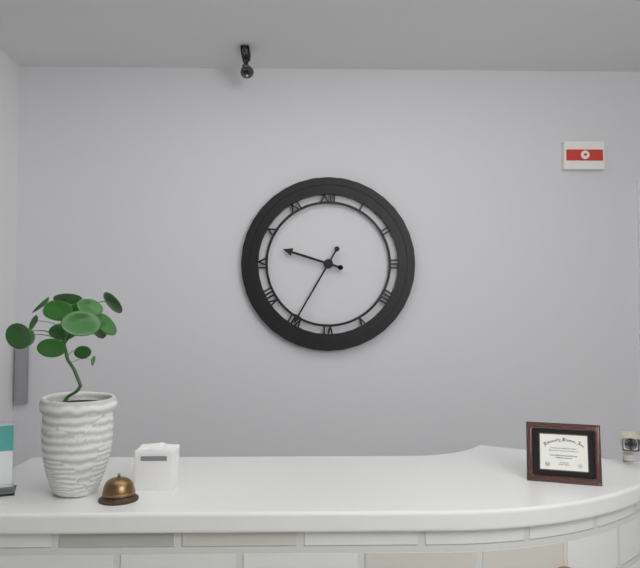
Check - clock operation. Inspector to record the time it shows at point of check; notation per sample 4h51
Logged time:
9h35
